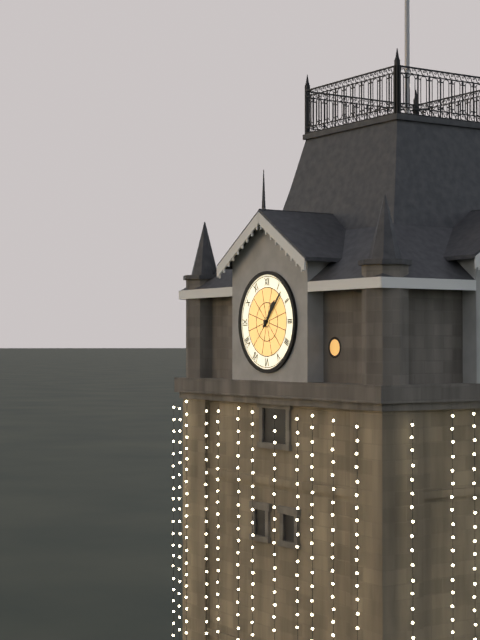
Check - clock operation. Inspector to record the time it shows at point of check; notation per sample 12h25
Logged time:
1h07
